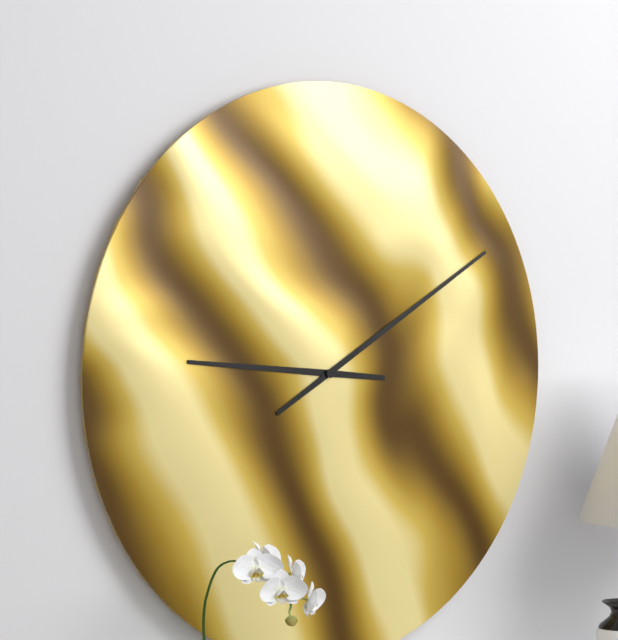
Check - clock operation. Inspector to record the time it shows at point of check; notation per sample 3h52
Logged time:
9h10
